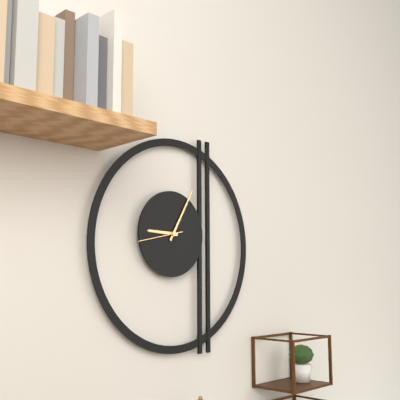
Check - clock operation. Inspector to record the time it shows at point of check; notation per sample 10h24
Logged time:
9h05
